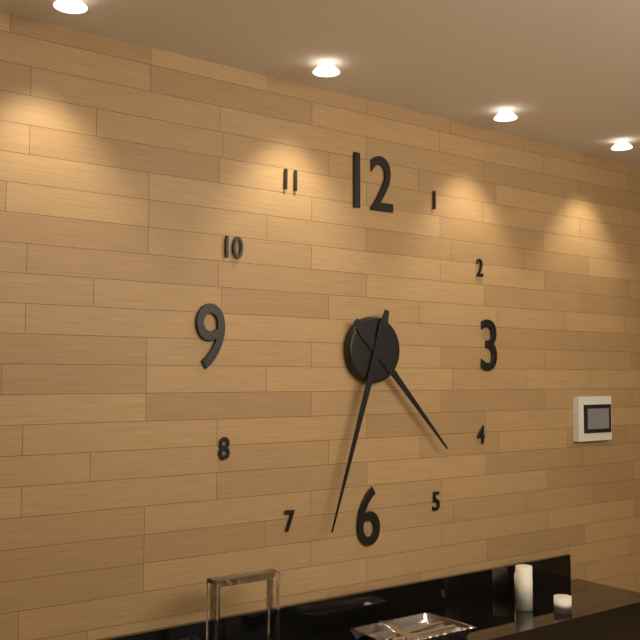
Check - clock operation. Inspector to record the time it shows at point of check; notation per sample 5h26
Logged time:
4h33
